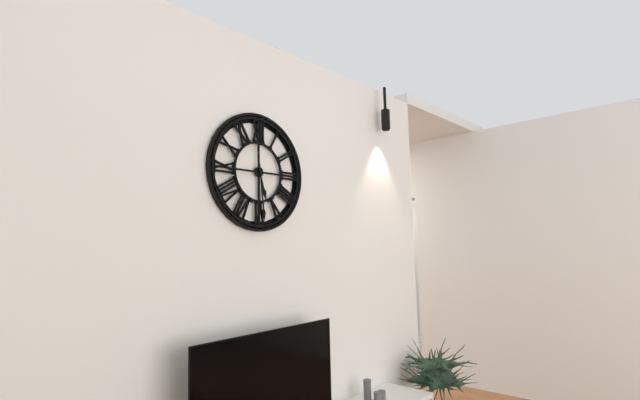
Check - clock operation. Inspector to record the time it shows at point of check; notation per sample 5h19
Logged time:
5h29
